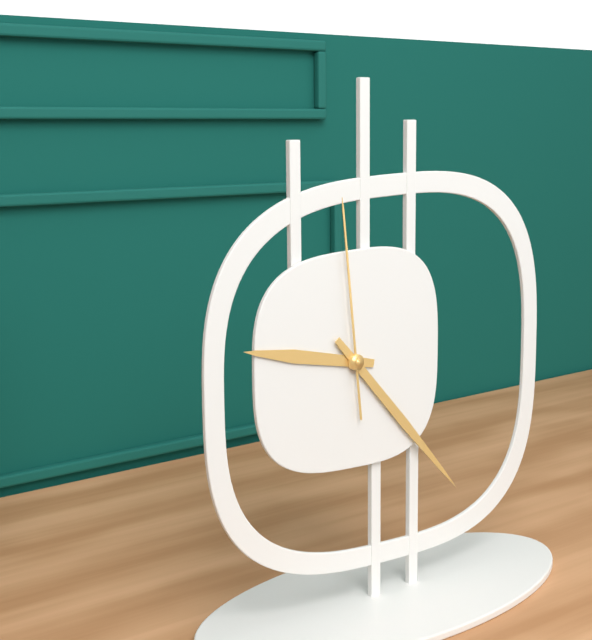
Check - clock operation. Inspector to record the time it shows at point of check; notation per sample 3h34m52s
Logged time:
9h23m59s
